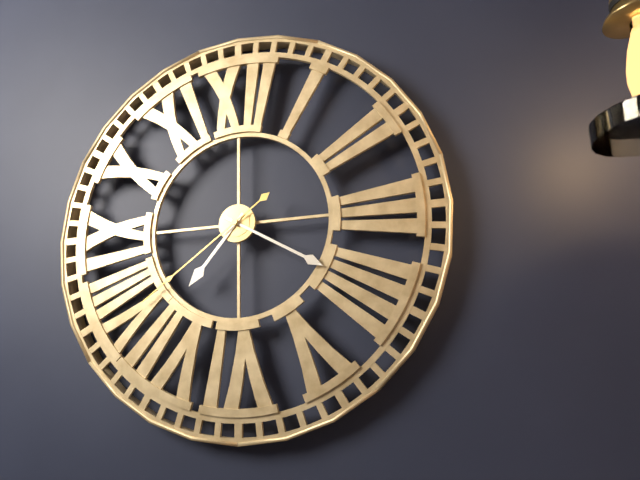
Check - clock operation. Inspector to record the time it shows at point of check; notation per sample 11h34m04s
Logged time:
7h20m39s
